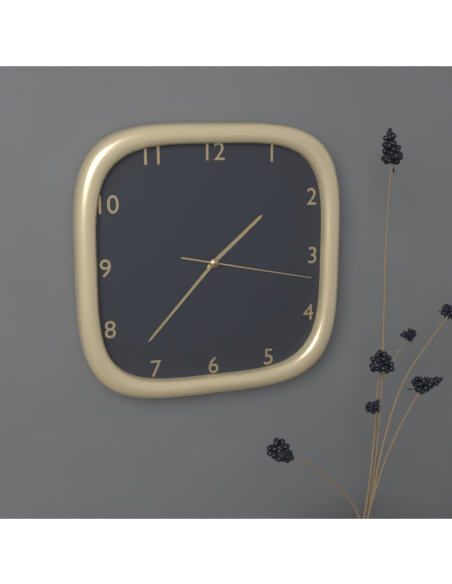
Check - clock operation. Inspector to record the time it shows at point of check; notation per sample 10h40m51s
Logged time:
1h37m17s
